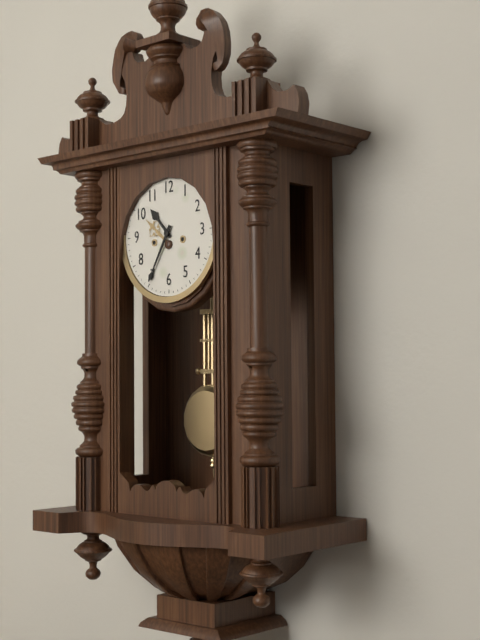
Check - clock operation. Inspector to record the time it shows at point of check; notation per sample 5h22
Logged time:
10h35
